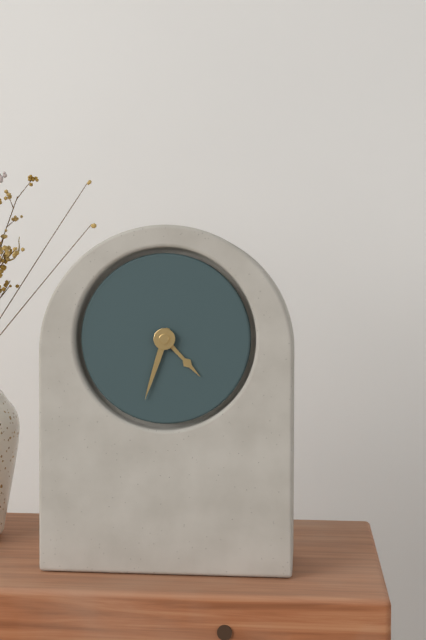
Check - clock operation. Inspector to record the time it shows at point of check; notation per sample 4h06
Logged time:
4h33
